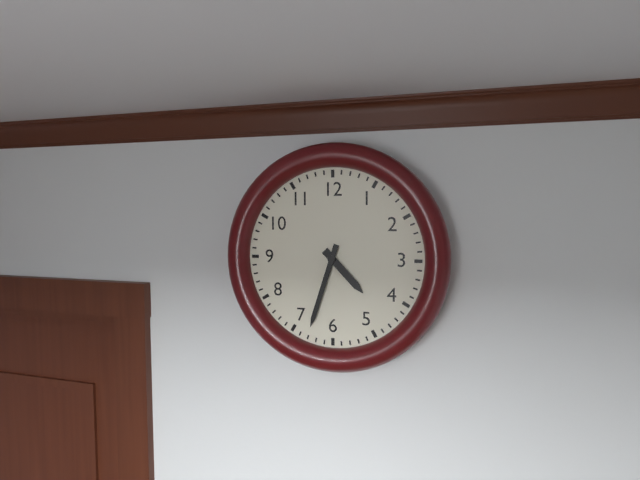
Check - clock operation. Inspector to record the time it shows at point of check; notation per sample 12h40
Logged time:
4h33
